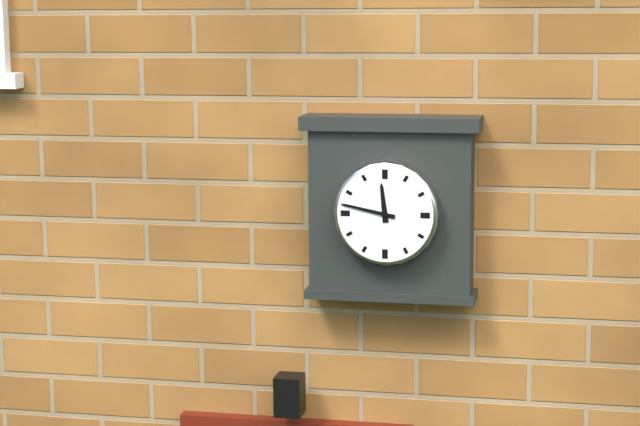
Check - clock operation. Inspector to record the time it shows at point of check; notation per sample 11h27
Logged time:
11h47
